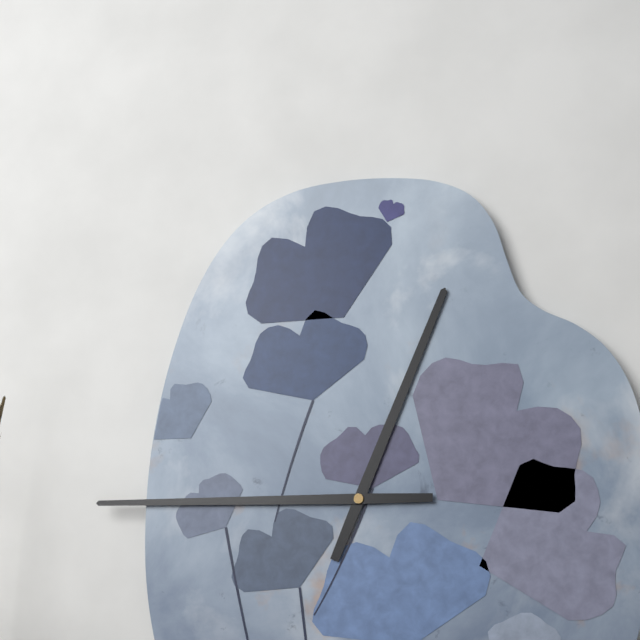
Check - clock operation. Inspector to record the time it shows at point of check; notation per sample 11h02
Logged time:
12h45
